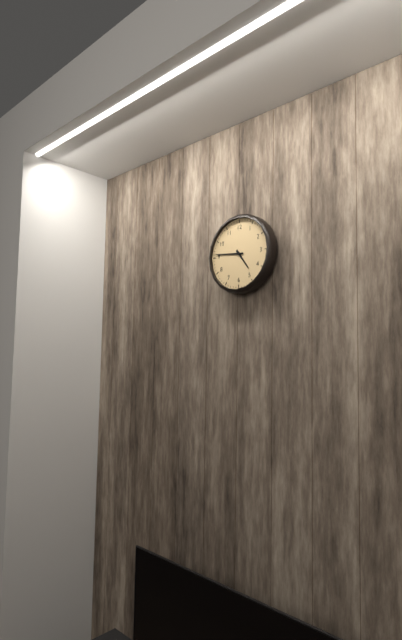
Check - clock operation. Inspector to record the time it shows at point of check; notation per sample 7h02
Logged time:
4h46
